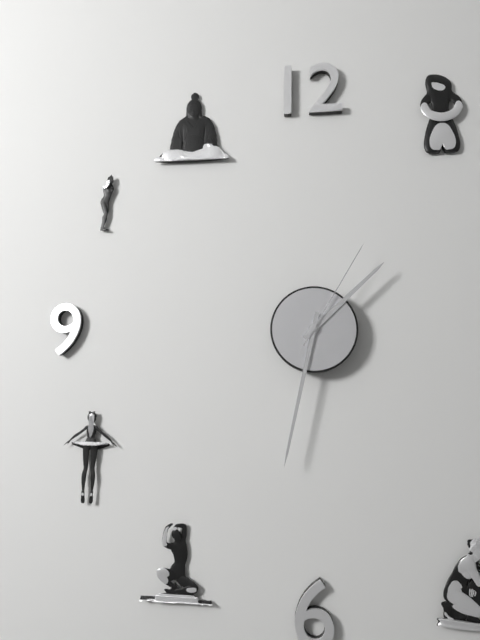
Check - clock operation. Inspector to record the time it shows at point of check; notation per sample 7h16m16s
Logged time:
1h32m05s
